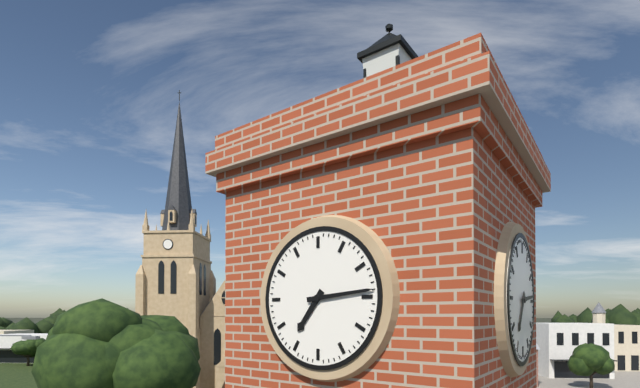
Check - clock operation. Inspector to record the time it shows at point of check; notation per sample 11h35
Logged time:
7h14
